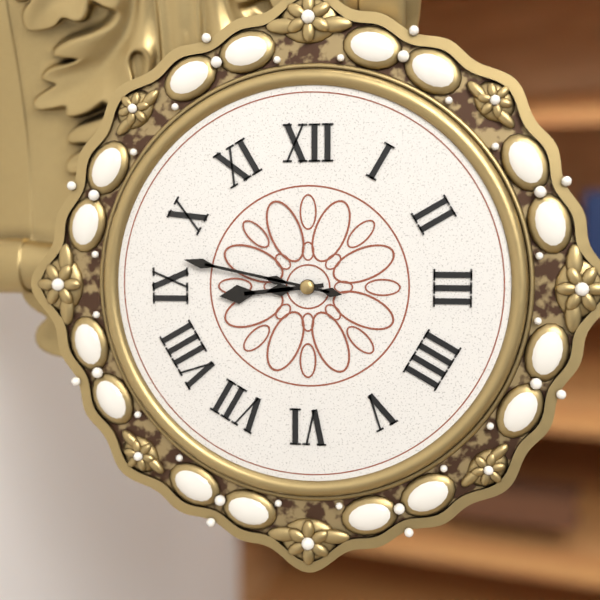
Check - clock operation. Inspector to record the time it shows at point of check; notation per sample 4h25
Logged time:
8h47
